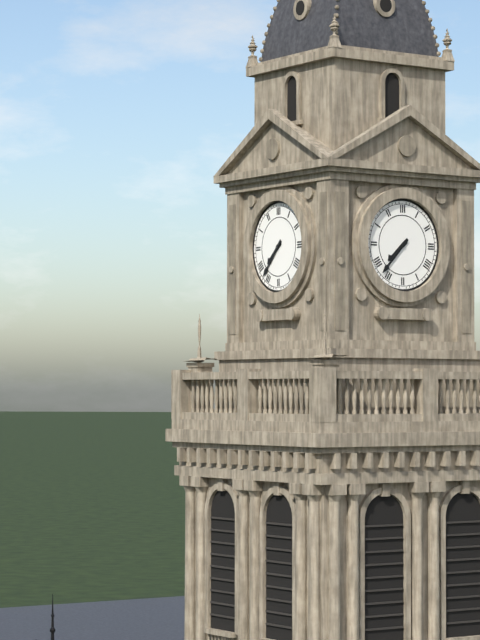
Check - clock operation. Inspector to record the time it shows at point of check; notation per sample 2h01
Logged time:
7h37
